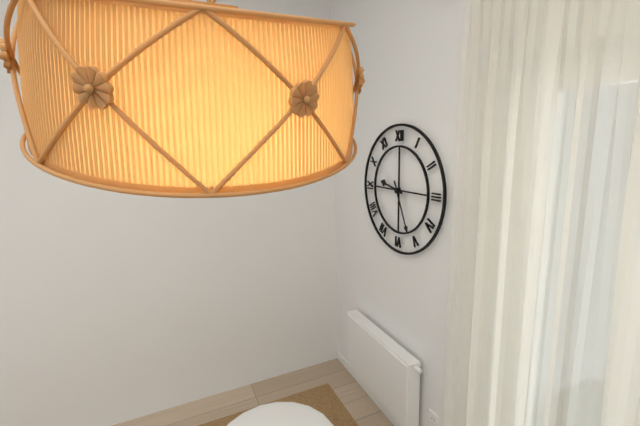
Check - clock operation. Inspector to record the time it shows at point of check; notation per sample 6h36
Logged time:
9h26
